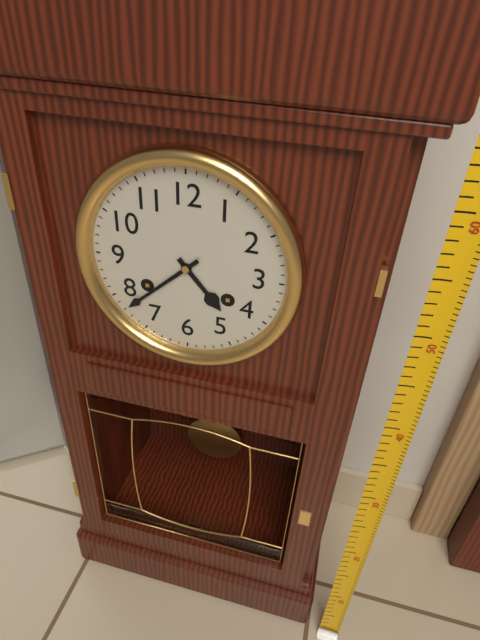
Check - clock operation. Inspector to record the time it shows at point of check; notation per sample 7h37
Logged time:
4h38
